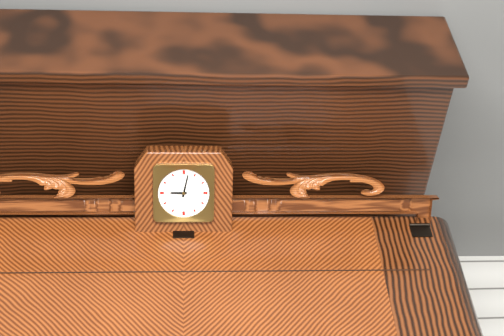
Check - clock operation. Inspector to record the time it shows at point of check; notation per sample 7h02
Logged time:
9h02
